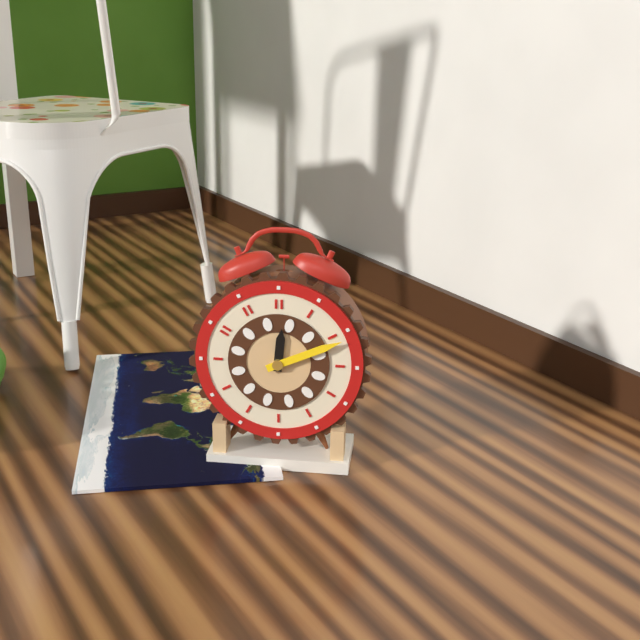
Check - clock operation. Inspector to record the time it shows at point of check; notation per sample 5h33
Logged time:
12h11
